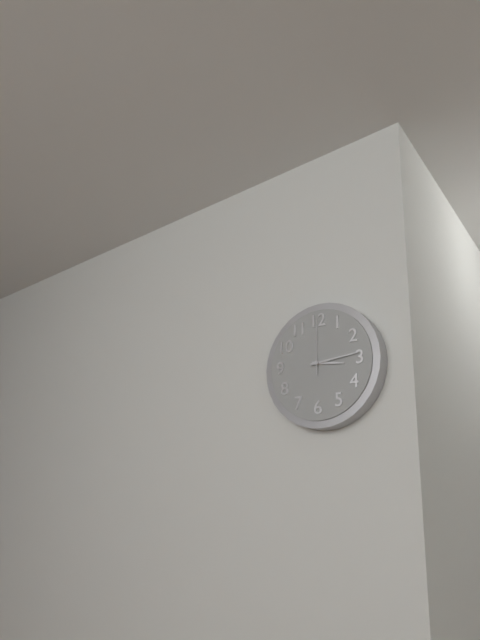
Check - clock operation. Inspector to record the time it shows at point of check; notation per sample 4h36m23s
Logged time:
3h14m00s
